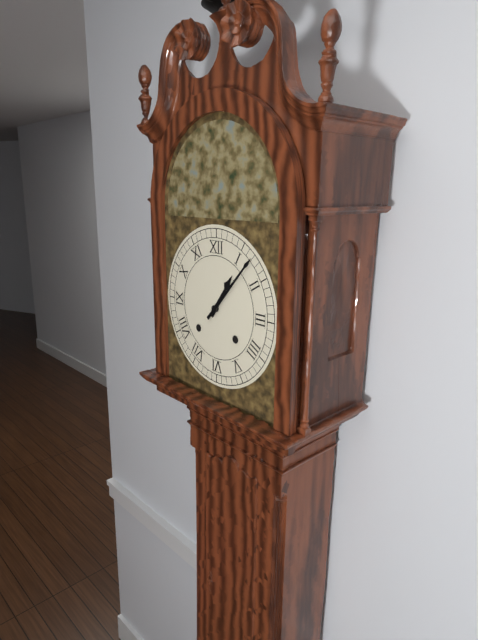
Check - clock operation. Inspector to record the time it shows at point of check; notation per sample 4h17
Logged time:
1h07
